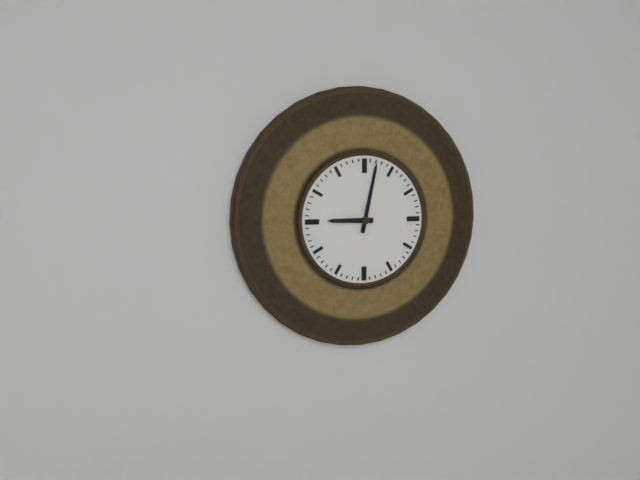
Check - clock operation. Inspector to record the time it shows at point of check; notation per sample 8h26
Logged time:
9h02
